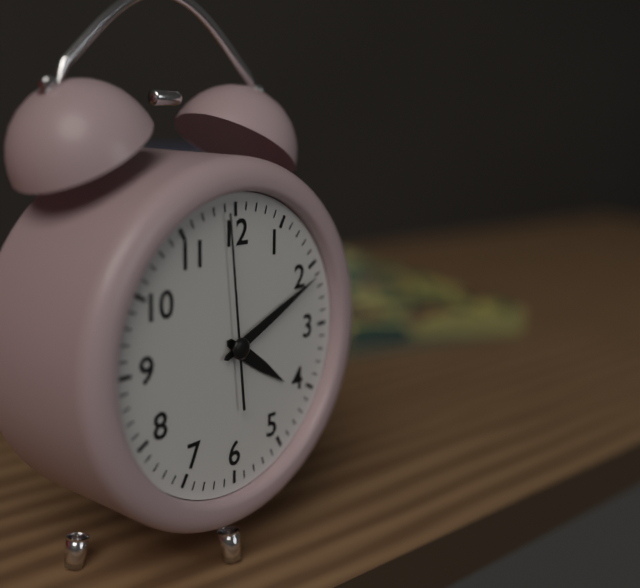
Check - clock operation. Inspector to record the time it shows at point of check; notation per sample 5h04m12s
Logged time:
4h11m59s
